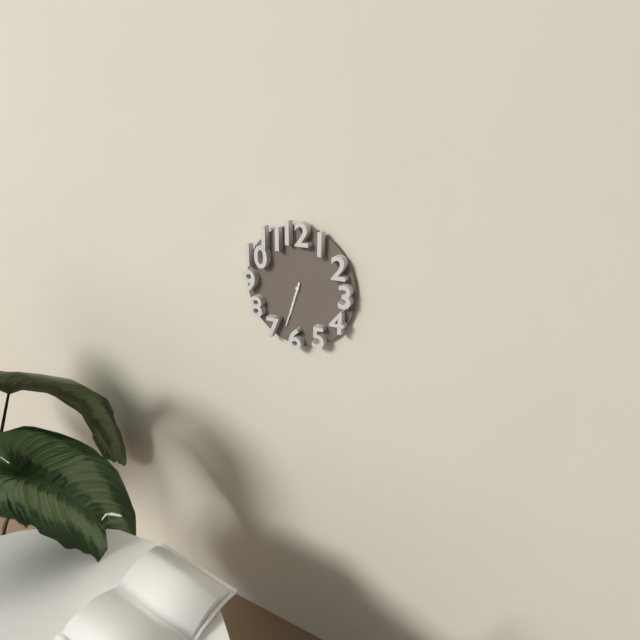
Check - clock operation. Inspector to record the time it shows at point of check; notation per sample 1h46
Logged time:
6h33
